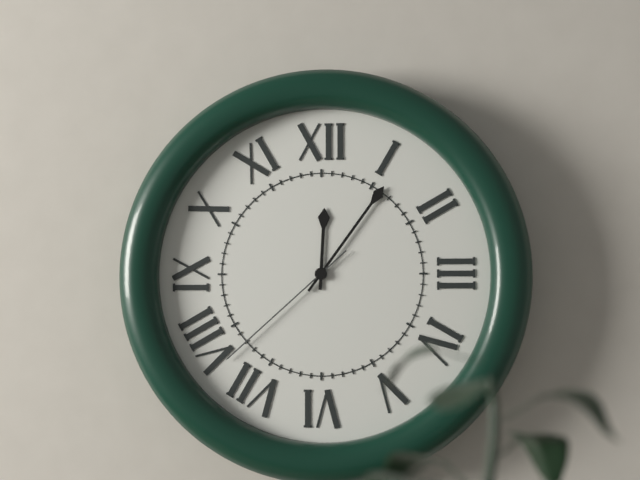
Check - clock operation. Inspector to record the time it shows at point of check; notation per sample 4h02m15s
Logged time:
12h06m38s
